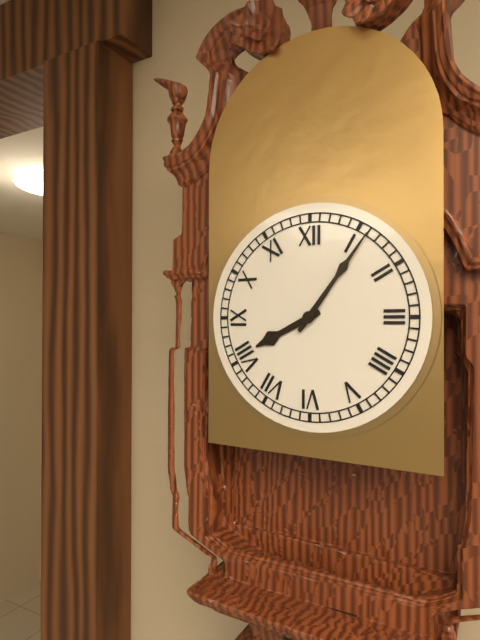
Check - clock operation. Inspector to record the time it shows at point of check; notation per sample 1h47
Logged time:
8h06
